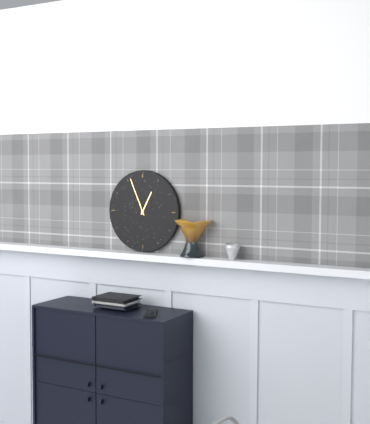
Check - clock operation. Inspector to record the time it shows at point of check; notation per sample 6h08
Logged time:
12h56
